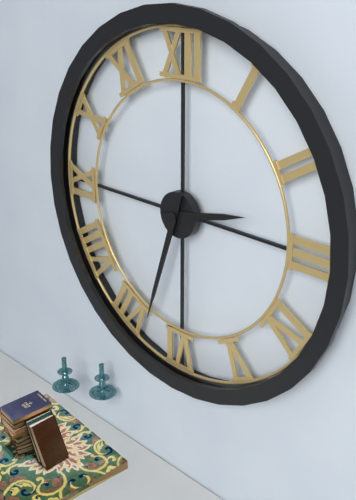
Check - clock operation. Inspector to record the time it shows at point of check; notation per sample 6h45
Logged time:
2h33
